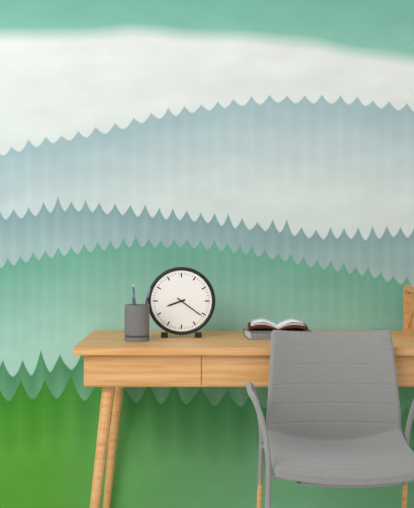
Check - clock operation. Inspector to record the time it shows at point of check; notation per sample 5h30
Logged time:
8h21
